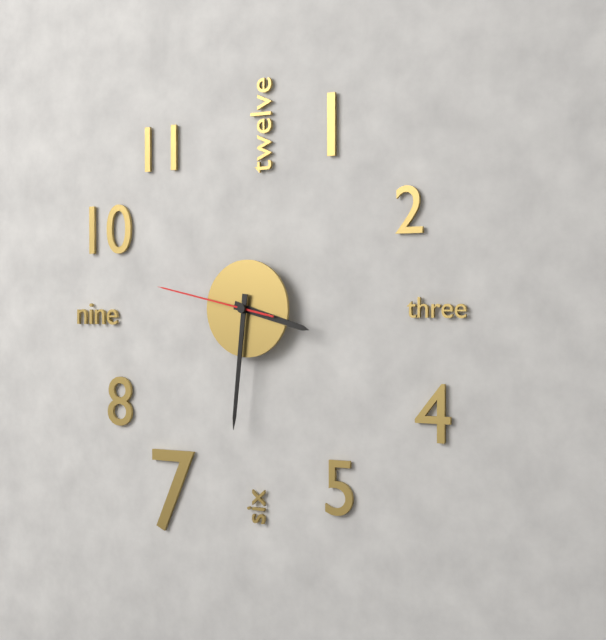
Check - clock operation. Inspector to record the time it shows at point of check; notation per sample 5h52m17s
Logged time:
3h31m47s
